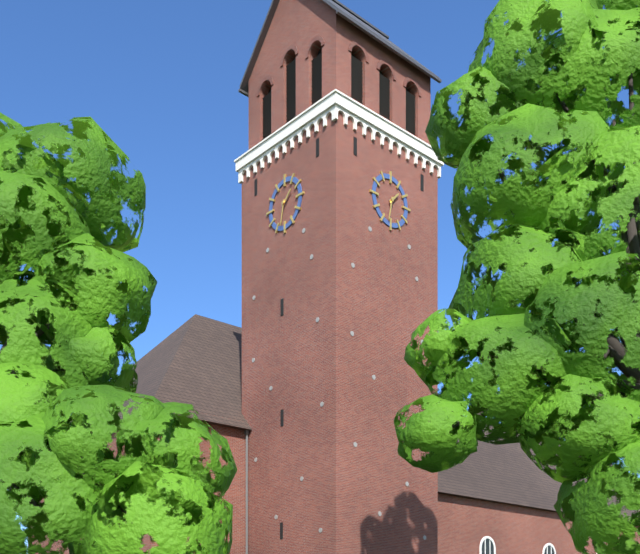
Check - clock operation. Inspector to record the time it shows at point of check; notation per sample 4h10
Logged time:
1h32
